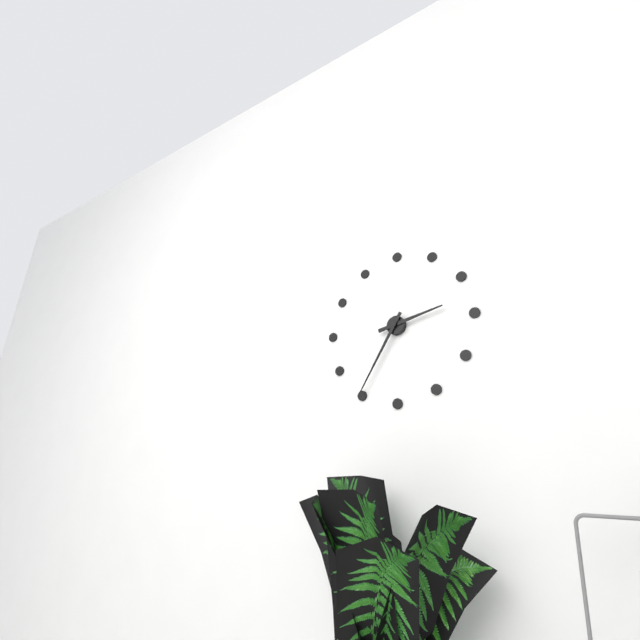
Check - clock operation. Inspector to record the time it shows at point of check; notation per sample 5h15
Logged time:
2h35
